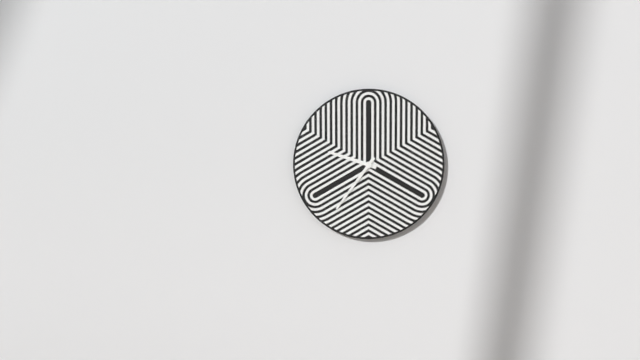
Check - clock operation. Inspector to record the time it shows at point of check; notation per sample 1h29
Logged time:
9h36
